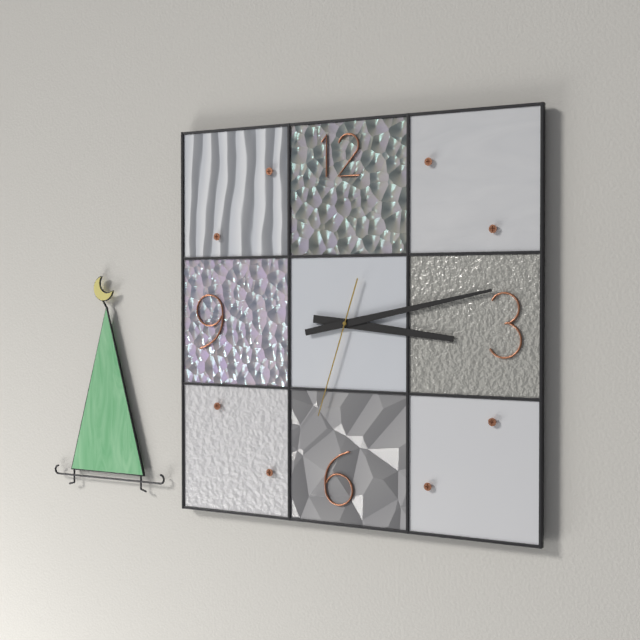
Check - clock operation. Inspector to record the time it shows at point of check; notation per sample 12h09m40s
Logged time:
3h13m33s
